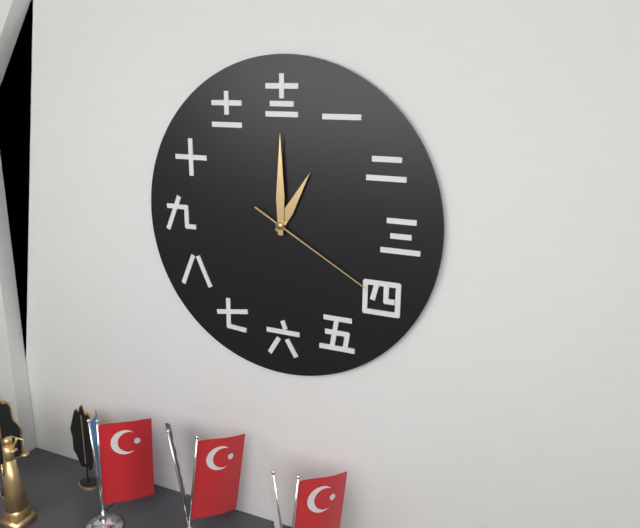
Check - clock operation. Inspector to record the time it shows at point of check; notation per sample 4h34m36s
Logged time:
1h00m20s
